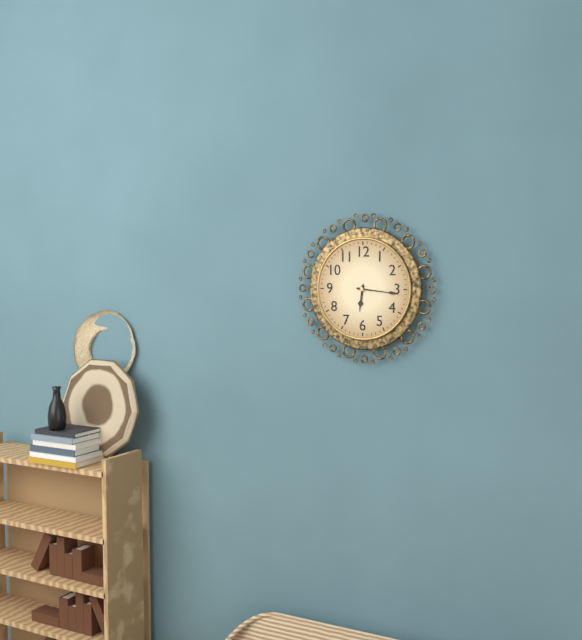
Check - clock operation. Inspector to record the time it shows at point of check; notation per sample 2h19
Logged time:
6h16
